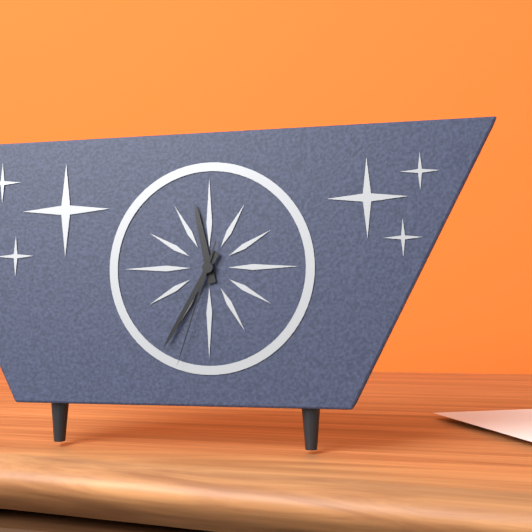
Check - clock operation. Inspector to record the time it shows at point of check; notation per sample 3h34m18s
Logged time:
11h35m33s
